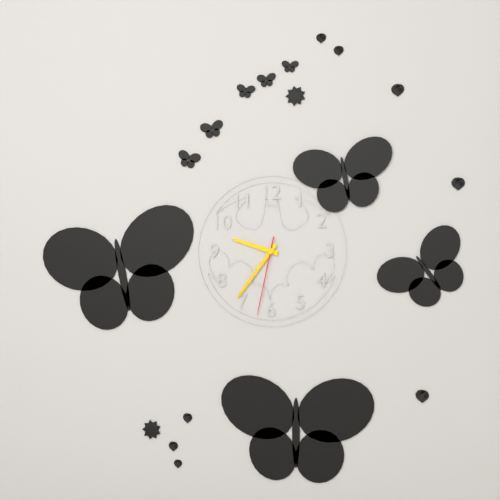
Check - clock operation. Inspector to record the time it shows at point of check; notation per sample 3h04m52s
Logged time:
9h36m32s
